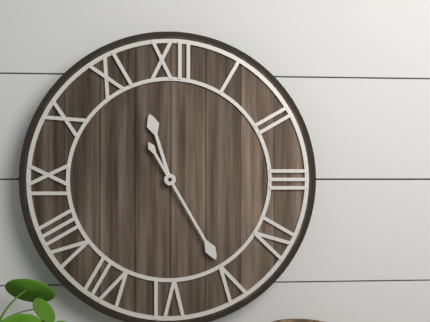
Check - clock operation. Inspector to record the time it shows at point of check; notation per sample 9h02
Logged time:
11h25
